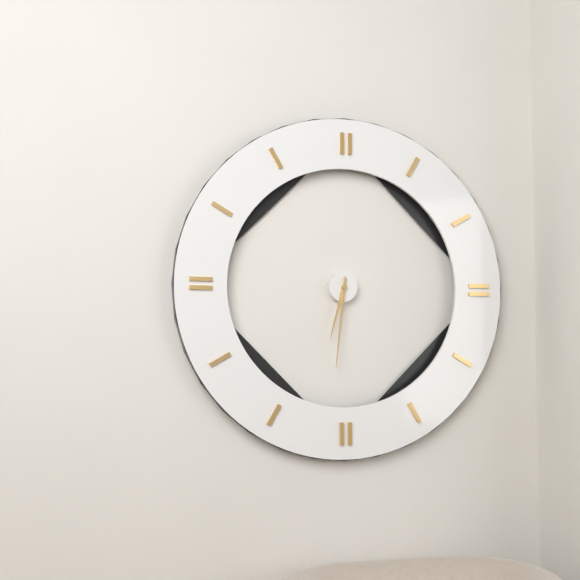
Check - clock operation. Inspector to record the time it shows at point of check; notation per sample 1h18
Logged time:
6h31
